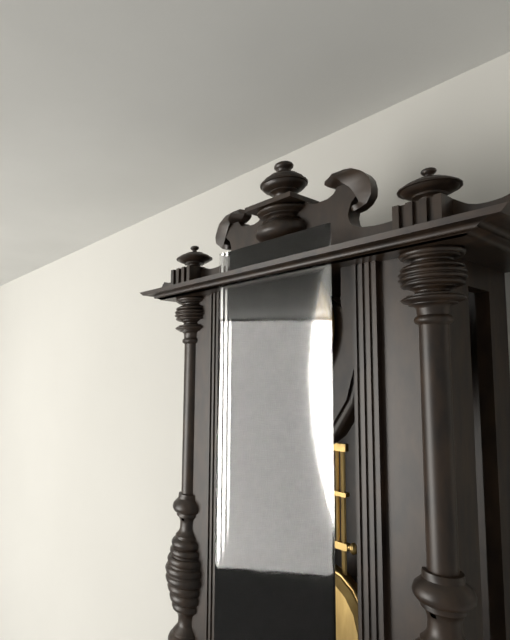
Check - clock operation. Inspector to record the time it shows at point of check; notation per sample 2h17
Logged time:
2h06
